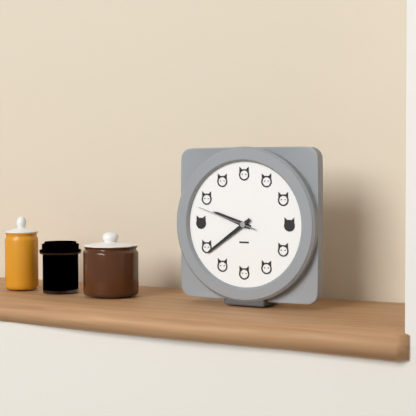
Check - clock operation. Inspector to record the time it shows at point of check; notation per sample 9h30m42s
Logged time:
9h39m48s
